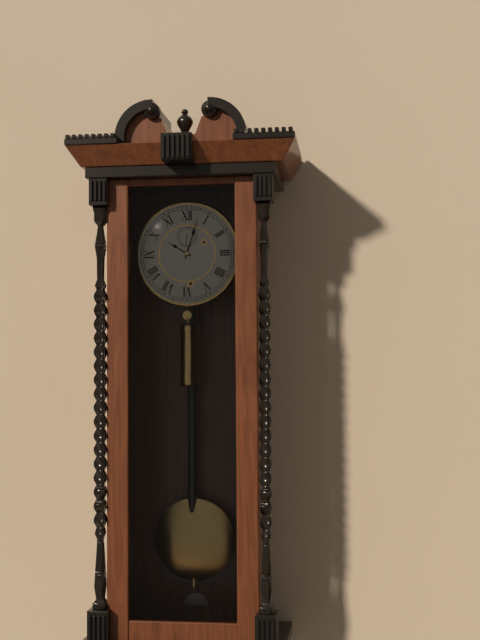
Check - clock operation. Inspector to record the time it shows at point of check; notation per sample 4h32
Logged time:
10h03
